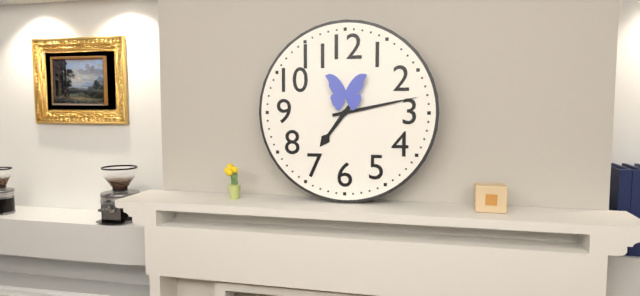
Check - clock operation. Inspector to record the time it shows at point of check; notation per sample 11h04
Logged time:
7h13
